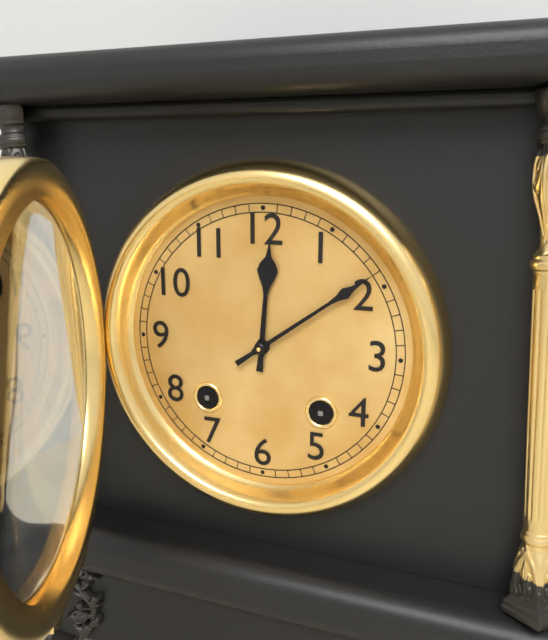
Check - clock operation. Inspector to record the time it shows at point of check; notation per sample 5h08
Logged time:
12h09
